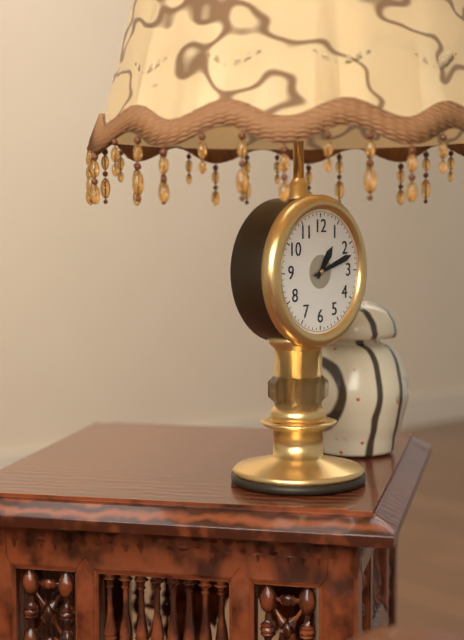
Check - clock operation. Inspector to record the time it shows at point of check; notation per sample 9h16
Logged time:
1h12
